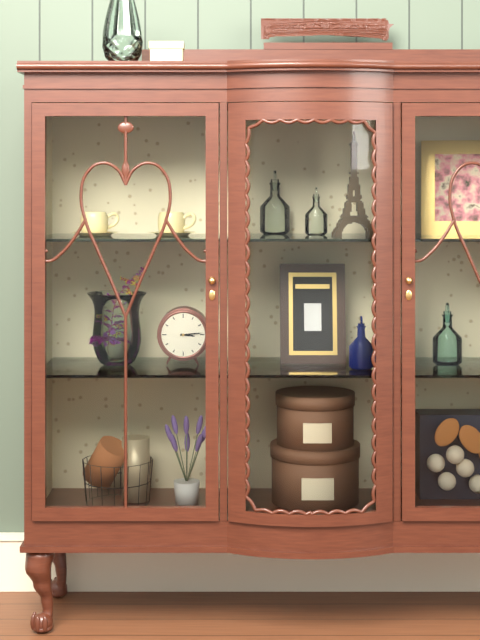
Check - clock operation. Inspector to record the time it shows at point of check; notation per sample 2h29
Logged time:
3h14
